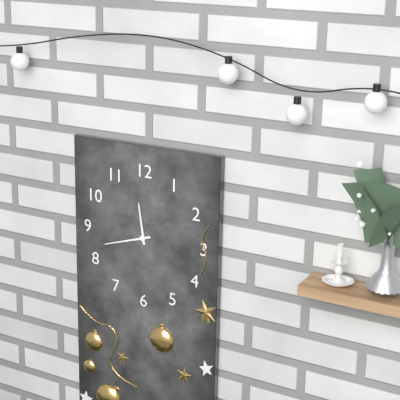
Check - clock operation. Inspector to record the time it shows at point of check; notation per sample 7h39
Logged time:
11h42
